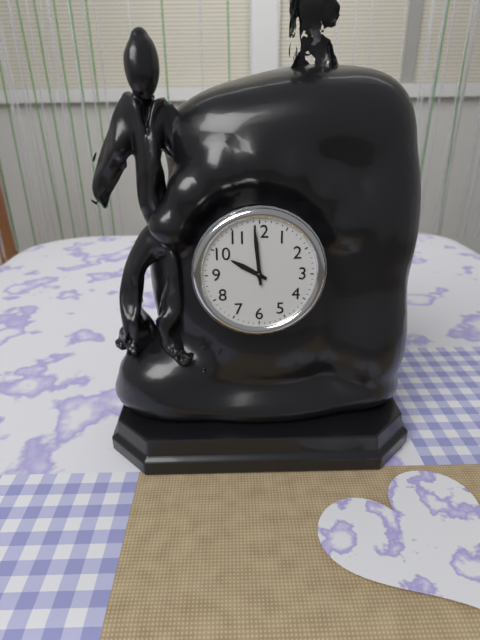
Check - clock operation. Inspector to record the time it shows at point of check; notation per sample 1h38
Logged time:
9h59
